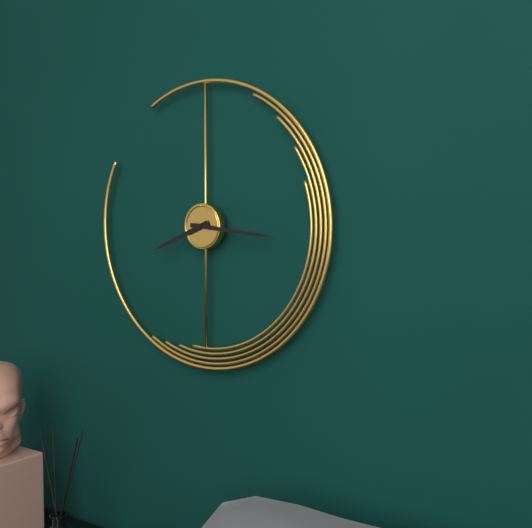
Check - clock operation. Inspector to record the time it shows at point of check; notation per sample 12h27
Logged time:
8h16
